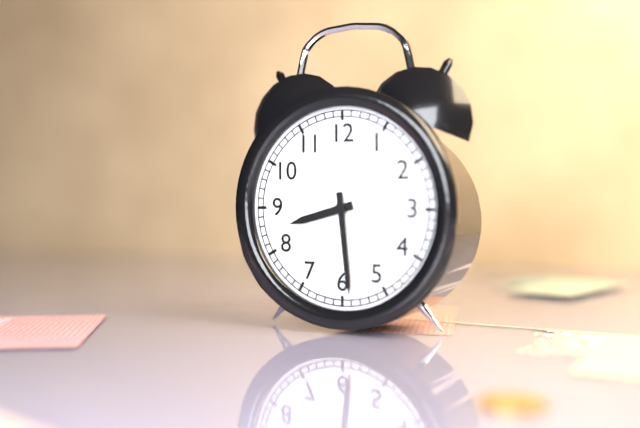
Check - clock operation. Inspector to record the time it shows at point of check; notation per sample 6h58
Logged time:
8h29
